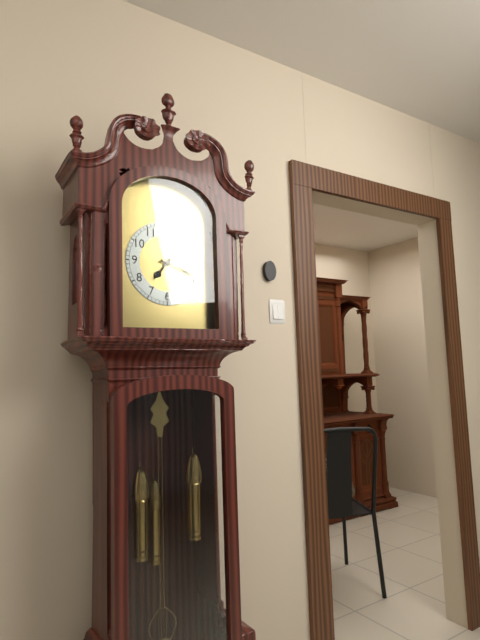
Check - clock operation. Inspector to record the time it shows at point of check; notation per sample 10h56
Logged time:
7h18
